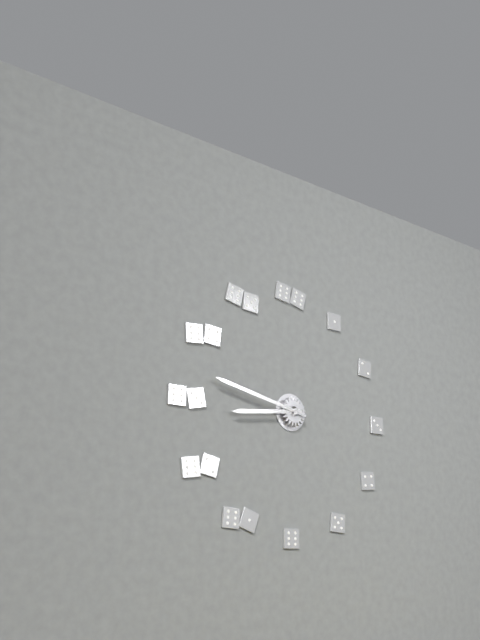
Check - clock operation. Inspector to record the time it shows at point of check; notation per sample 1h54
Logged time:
8h47
